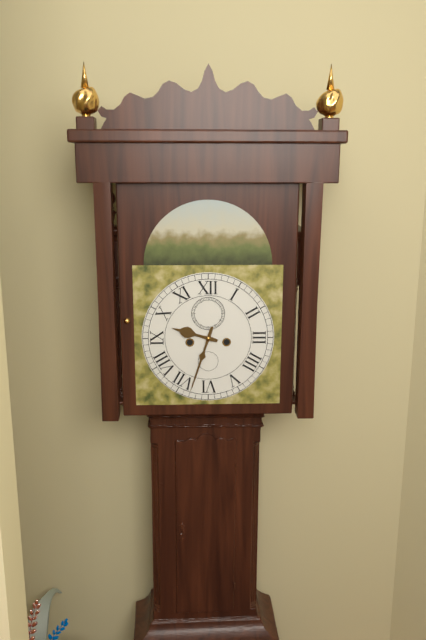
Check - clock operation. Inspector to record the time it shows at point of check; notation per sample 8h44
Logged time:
9h33
